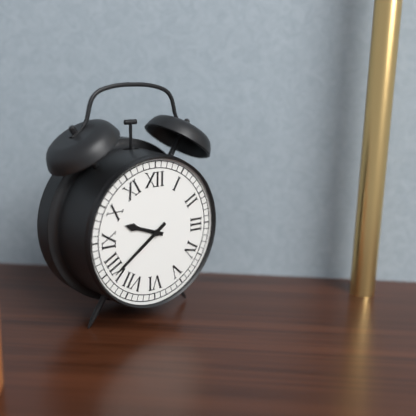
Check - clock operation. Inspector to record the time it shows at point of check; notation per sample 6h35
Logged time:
9h39
